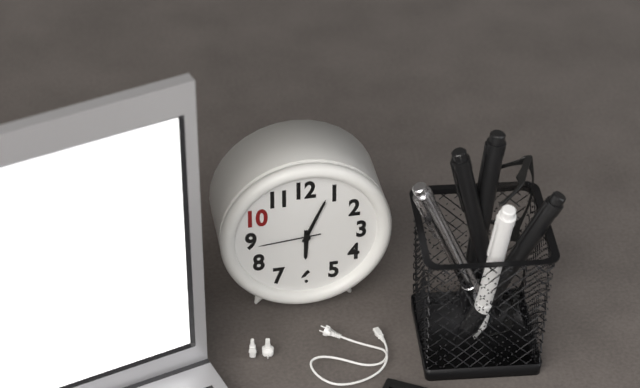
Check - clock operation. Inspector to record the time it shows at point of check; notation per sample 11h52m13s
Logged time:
6h04m44s
